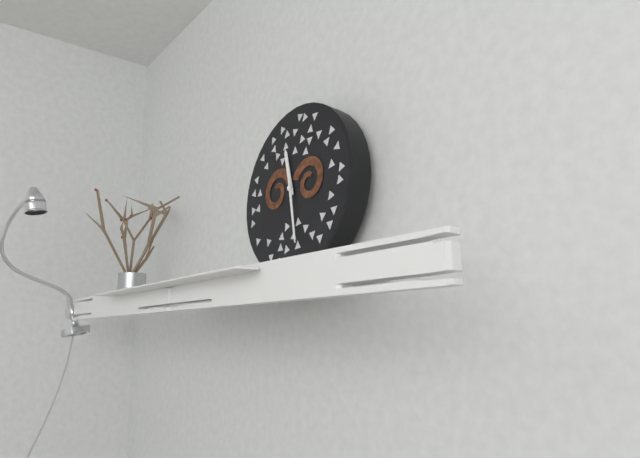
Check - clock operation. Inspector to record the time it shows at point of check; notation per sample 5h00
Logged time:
11h28
